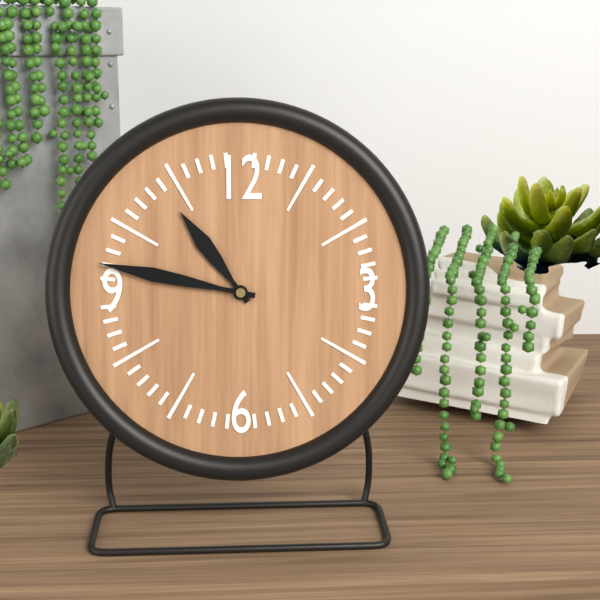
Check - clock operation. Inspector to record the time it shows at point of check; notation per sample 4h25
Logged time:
10h47
